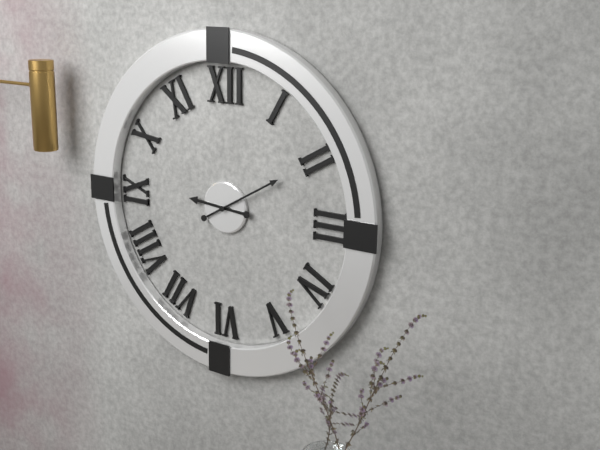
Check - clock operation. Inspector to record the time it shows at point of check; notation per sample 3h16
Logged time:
9h10
